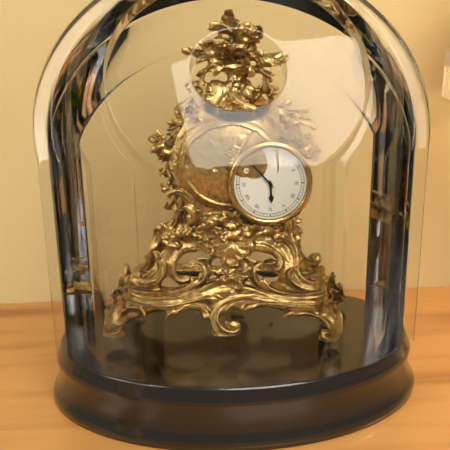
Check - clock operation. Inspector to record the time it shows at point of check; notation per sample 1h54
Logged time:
5h53
